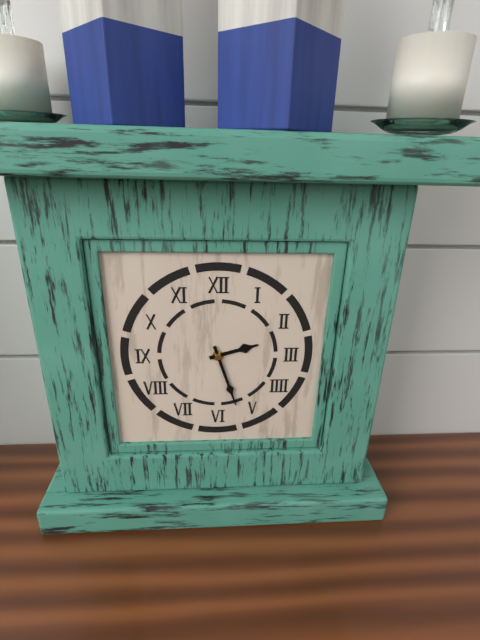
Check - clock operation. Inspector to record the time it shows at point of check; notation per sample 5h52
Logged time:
2h27
